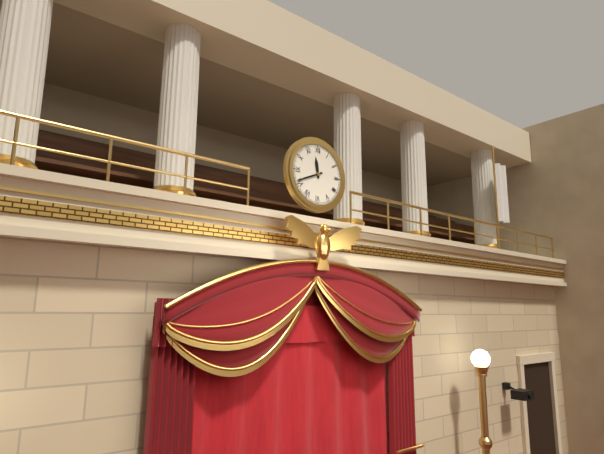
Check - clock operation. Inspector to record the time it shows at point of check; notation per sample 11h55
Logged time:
11h41
